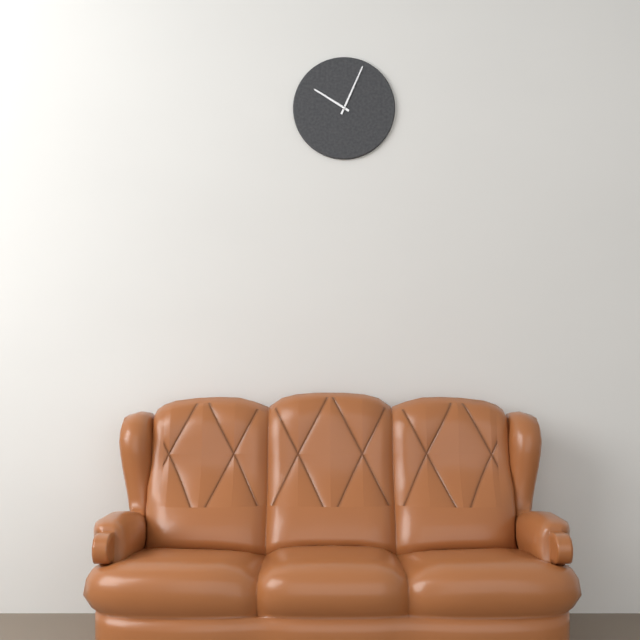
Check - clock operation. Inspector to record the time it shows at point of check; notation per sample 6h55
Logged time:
10h04
